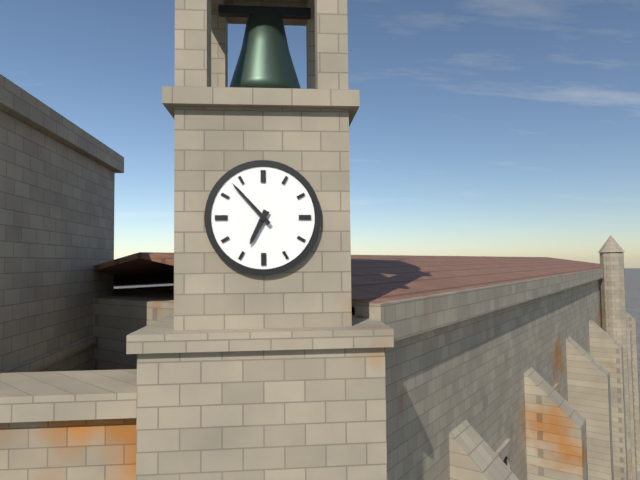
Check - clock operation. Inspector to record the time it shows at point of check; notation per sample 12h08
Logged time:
6h53
